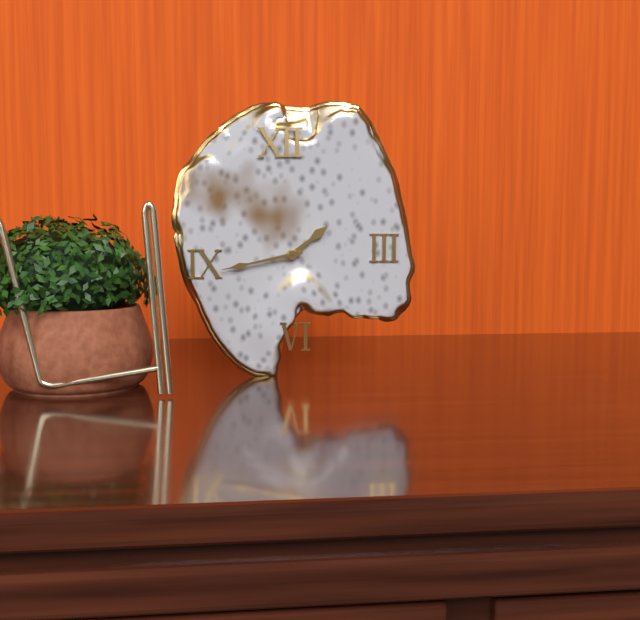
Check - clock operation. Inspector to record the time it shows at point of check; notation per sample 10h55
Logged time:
1h43
